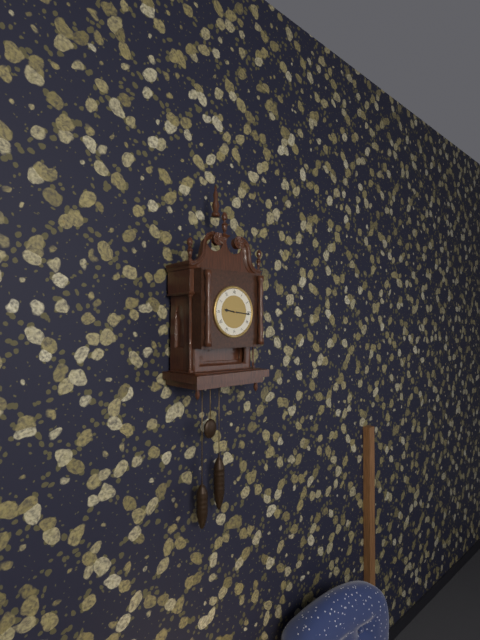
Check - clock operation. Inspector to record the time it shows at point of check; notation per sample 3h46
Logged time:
9h16
